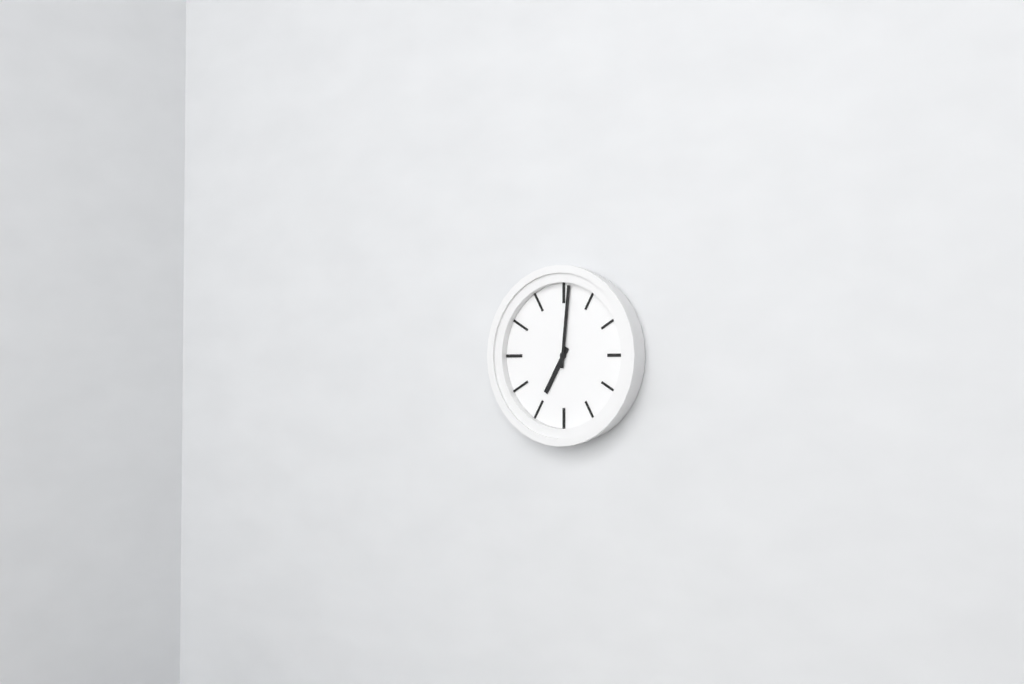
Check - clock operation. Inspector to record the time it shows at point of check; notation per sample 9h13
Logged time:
7h01
